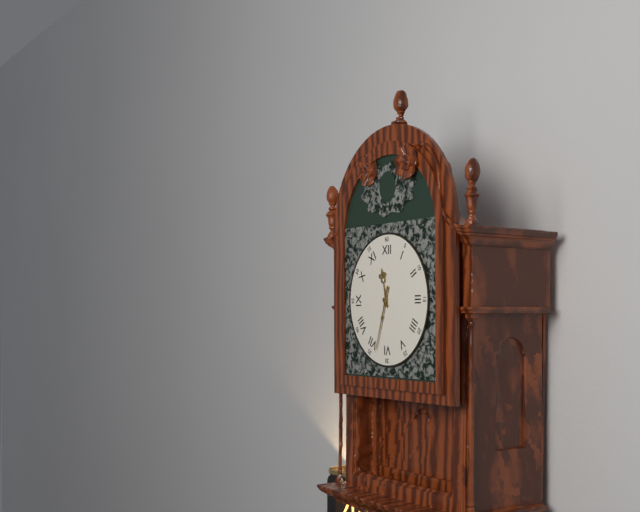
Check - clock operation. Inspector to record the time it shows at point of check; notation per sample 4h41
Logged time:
11h33
